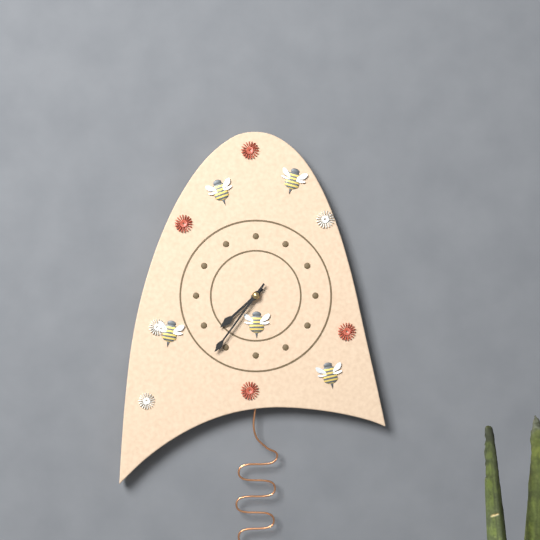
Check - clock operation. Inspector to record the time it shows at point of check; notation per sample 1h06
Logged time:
7h36
